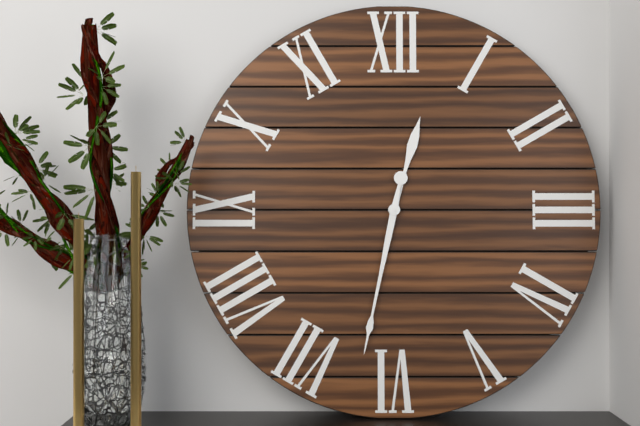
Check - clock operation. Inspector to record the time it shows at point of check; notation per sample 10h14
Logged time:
12h32
